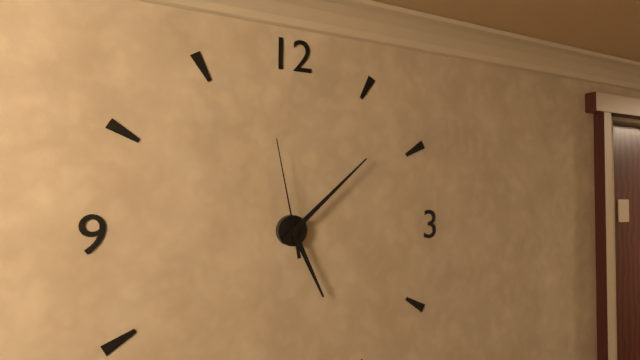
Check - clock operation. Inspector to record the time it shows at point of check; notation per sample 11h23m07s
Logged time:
5h08m58s
